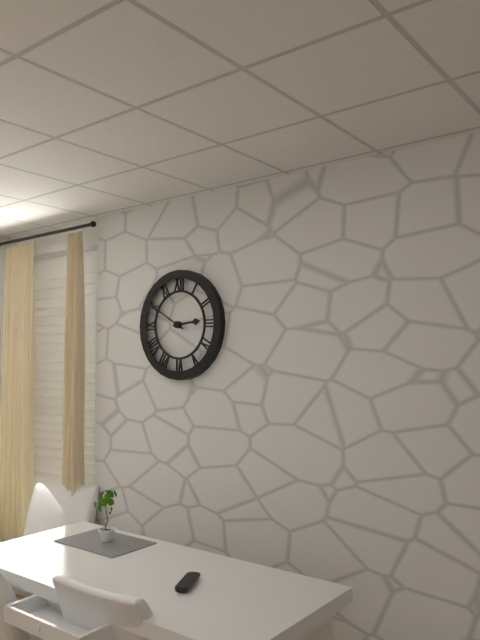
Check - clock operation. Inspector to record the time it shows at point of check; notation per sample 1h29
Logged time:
2h50
